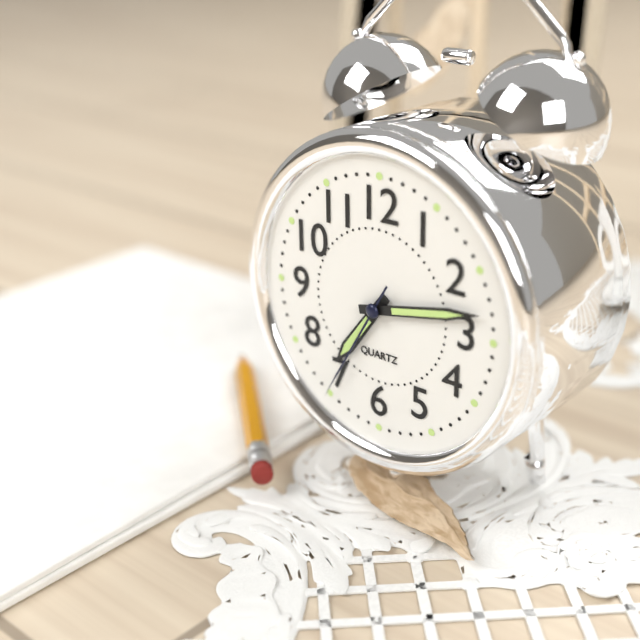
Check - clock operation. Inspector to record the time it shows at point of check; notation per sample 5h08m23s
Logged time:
7h13m35s
